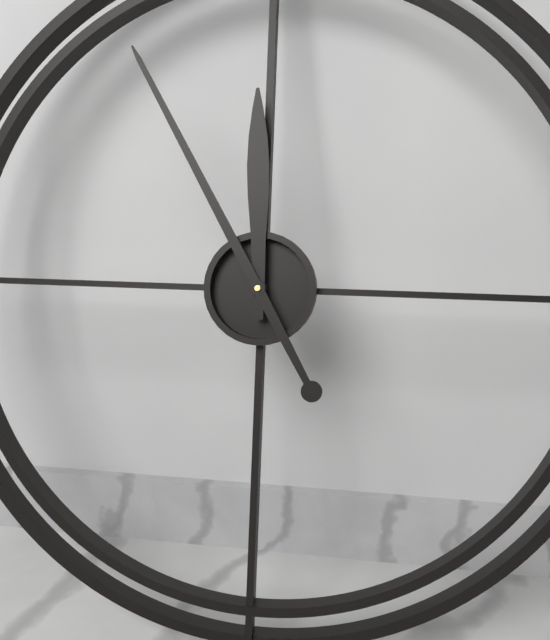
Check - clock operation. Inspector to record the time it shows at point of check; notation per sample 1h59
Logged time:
11h55
